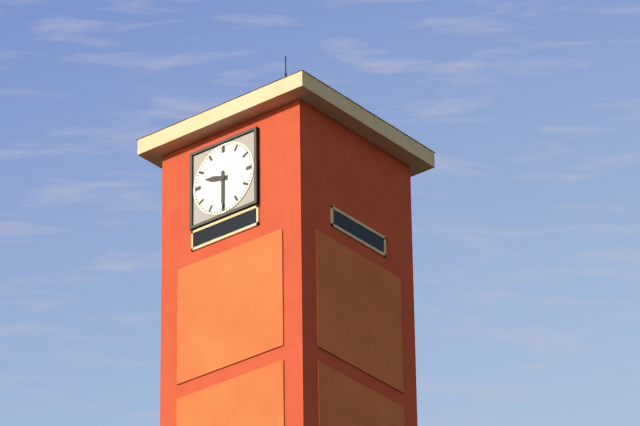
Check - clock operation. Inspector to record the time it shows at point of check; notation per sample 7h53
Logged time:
9h30
